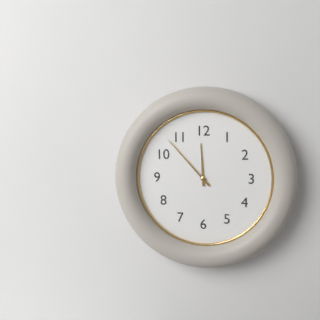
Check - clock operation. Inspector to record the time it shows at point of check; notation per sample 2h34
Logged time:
11h53
